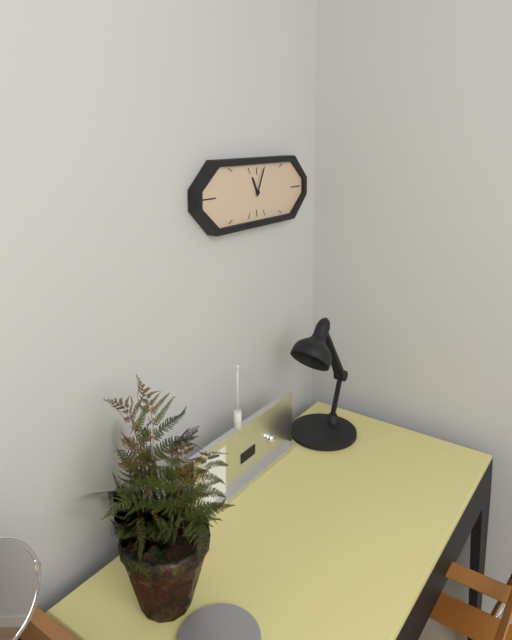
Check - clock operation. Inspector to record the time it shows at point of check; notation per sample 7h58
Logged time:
11h04
